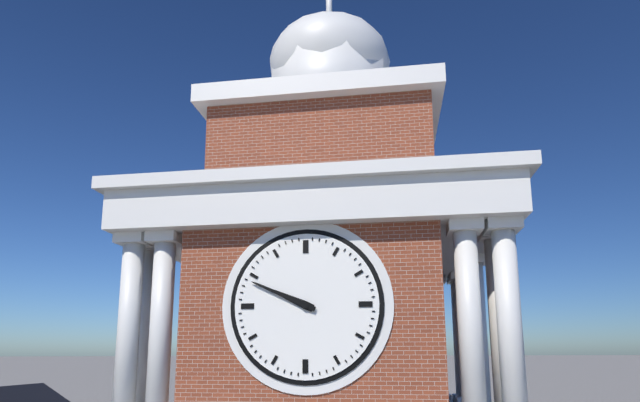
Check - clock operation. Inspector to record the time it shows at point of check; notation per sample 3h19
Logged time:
9h49
